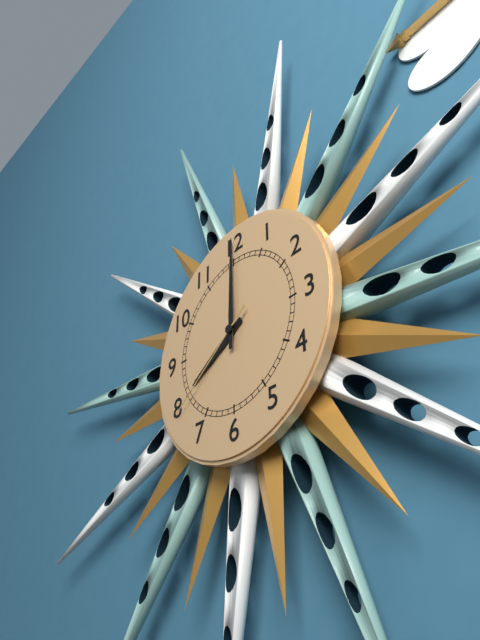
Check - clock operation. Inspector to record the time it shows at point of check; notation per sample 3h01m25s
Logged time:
8h00m39s
